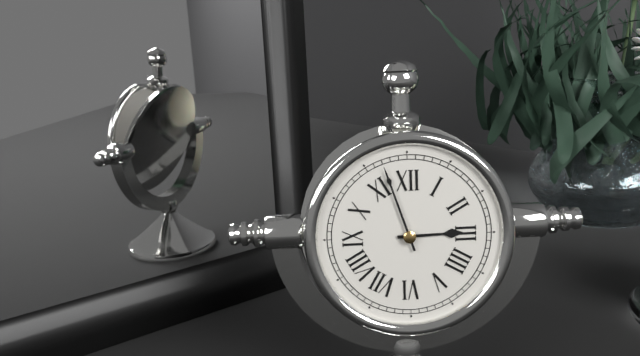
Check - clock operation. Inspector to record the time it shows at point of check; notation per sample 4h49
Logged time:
2h57
